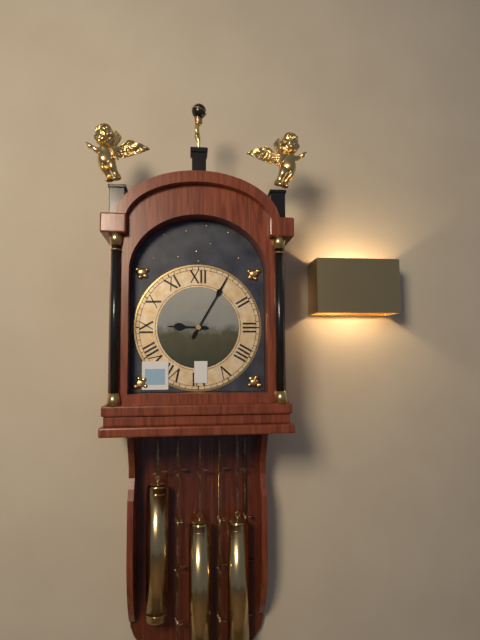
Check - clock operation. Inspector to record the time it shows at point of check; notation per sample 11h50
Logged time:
9h05
